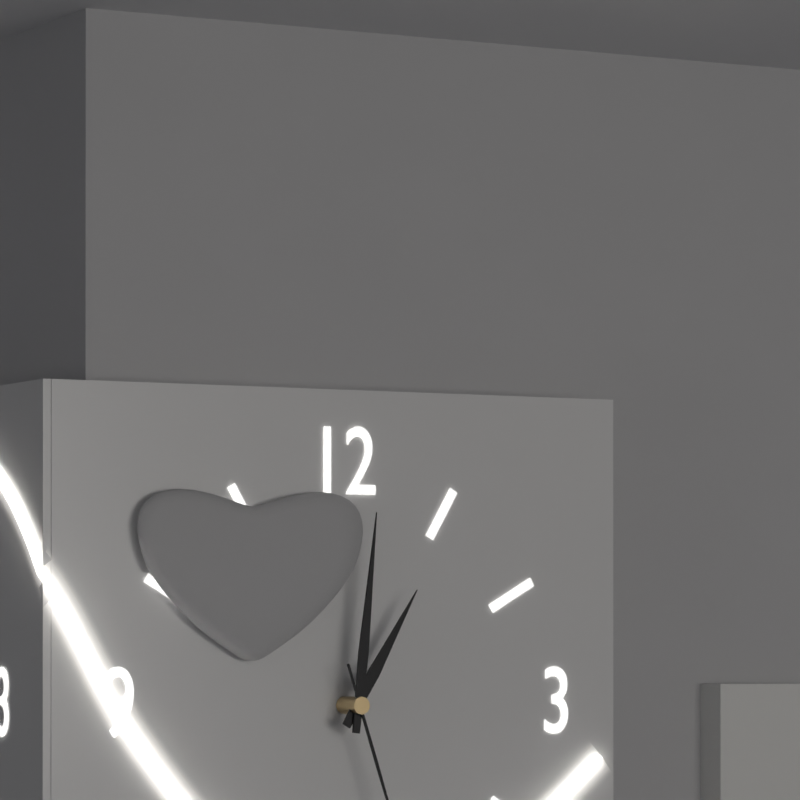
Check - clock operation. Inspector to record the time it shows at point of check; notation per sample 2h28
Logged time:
1h01
